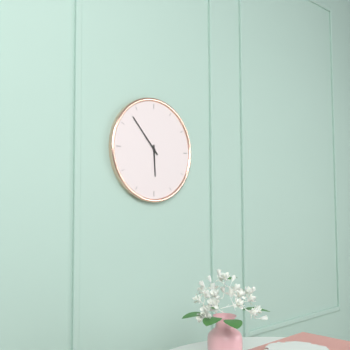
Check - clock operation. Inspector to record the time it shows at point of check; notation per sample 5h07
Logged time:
5h53
